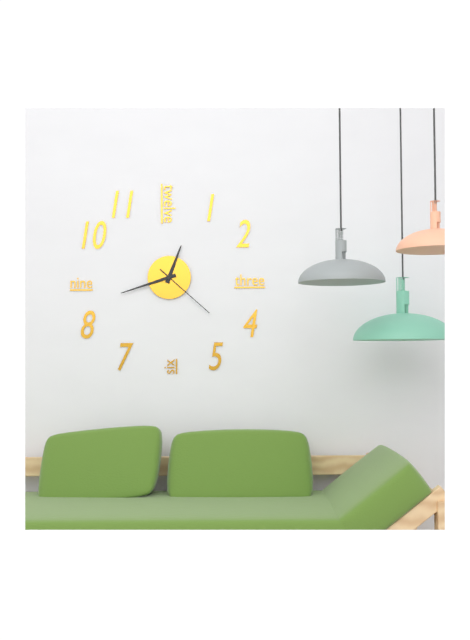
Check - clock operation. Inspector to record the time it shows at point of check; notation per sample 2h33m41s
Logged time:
12h42m22s
